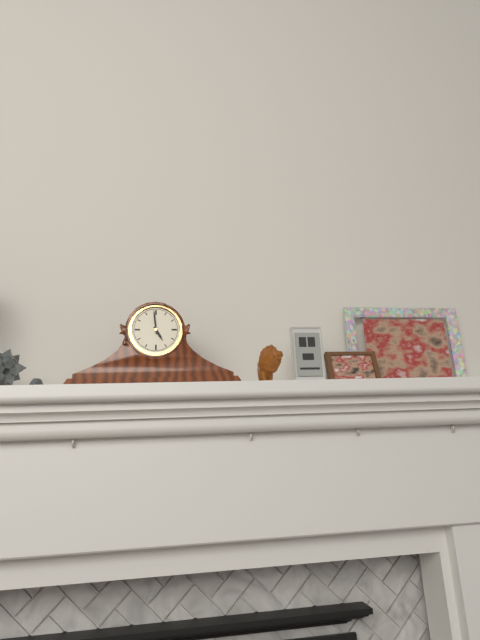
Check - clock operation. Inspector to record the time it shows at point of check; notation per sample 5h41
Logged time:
4h59
